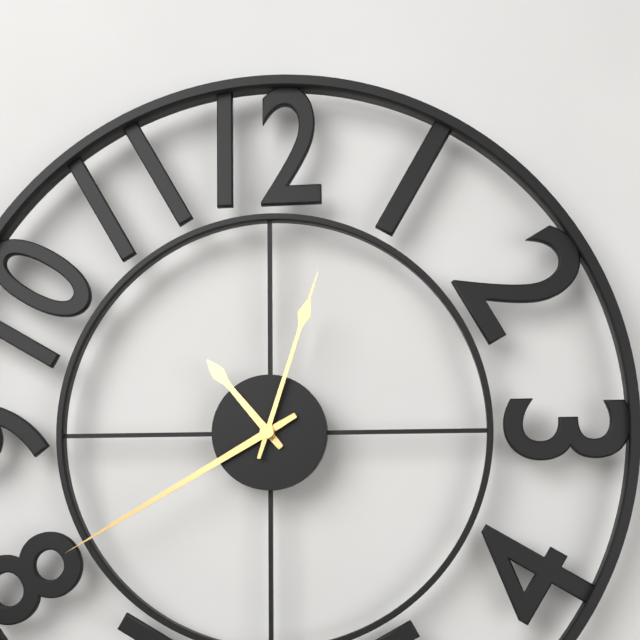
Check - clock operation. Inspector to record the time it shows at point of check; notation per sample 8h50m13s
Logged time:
10h40m03s
